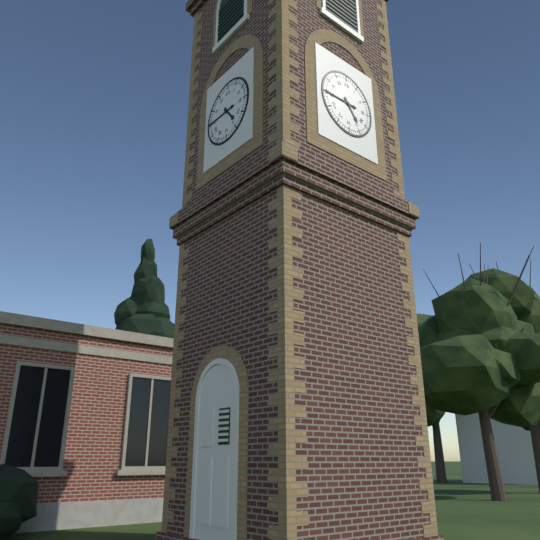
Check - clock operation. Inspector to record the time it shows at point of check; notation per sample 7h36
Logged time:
4h45
